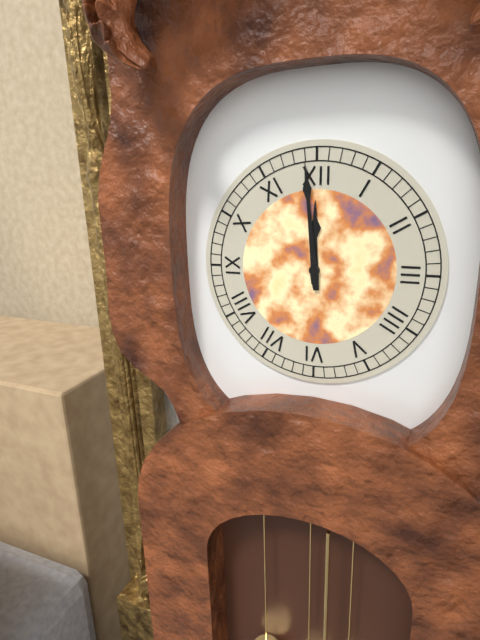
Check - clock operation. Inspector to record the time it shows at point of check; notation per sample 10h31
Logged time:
11h59
